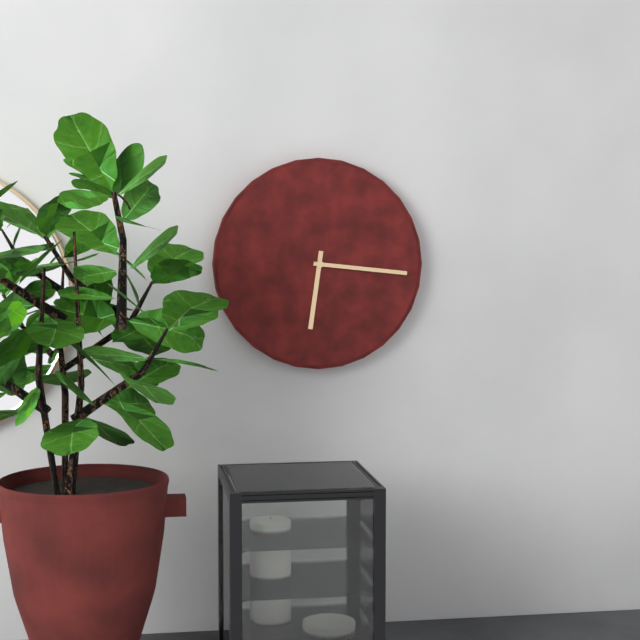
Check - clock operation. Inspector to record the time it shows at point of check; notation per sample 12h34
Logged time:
6h16
